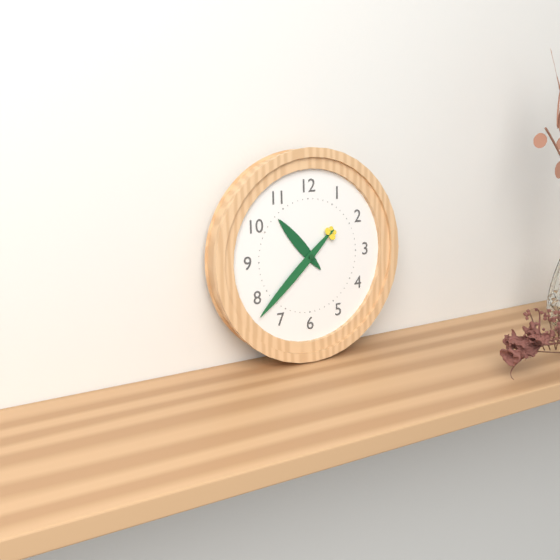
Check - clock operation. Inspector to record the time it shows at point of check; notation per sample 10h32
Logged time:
10h38
